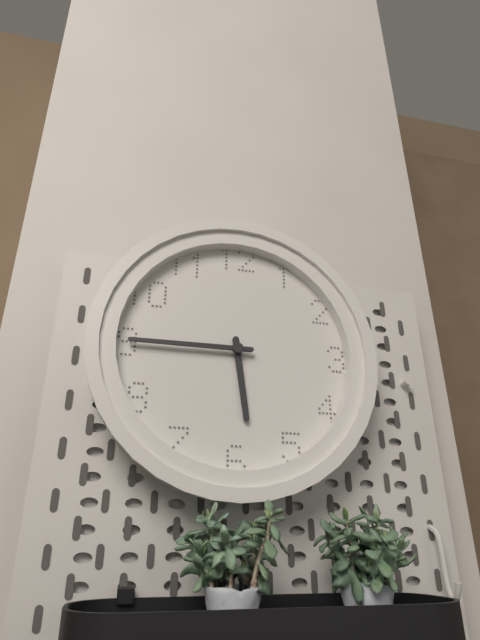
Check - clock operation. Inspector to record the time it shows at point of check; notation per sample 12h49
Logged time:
5h45
